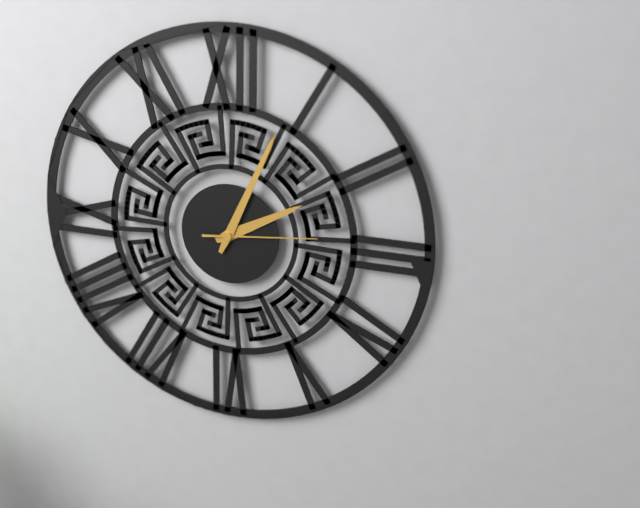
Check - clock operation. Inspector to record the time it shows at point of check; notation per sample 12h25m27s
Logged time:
2h04m14s
